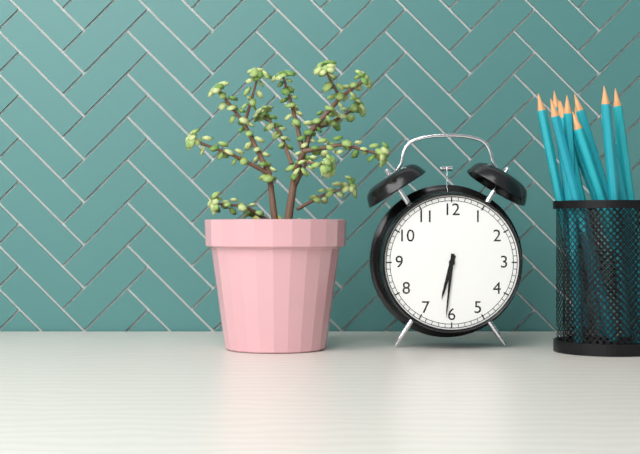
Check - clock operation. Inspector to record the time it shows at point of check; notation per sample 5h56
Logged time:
6h31
